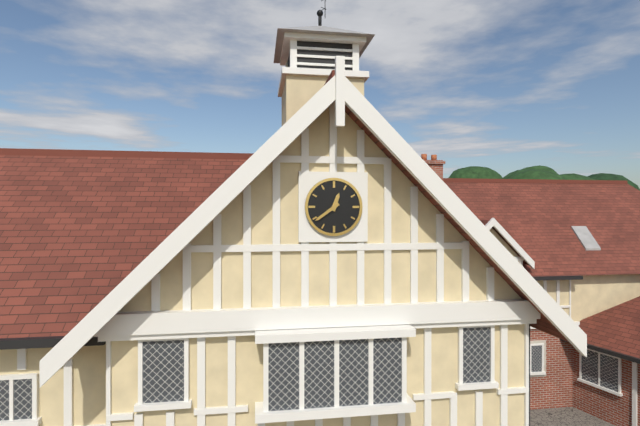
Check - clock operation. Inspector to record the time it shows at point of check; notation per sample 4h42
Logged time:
12h39
